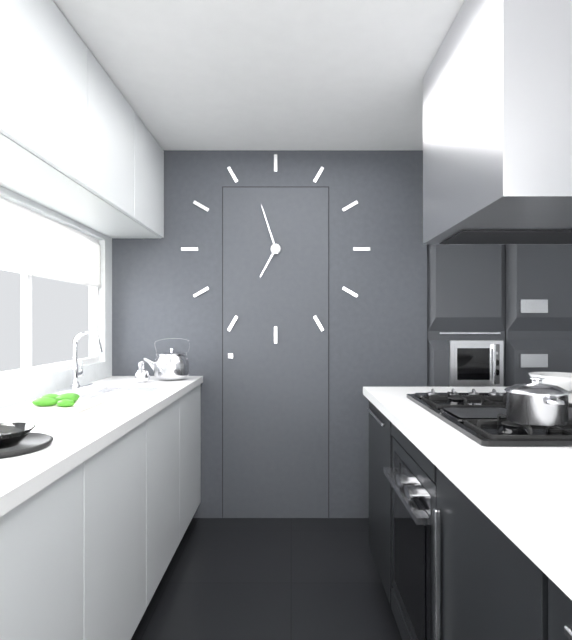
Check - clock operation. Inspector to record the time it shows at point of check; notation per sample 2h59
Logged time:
6h57
